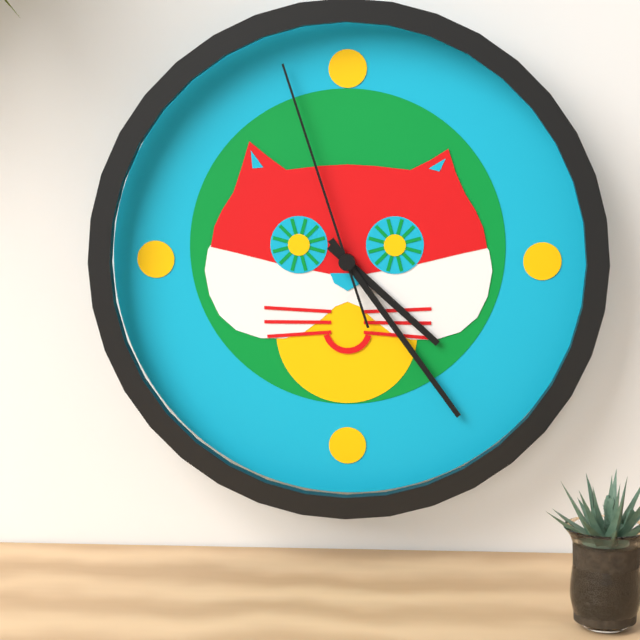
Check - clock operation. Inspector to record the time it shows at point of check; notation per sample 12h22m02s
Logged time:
4h24m57s
